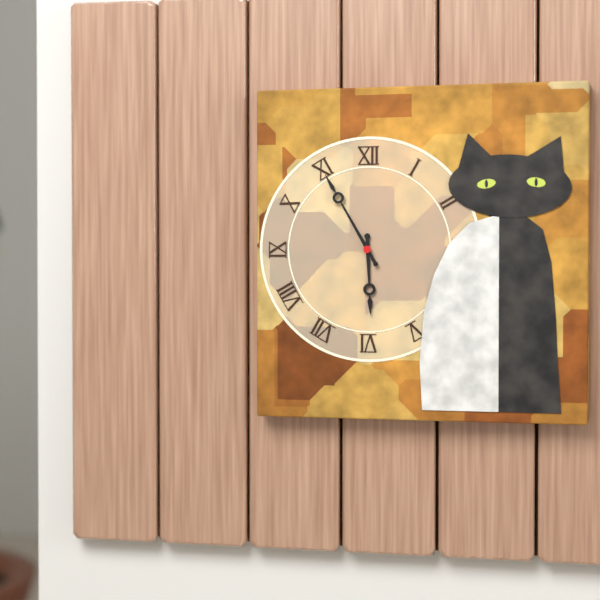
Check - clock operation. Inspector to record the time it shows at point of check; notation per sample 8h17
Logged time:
5h55
